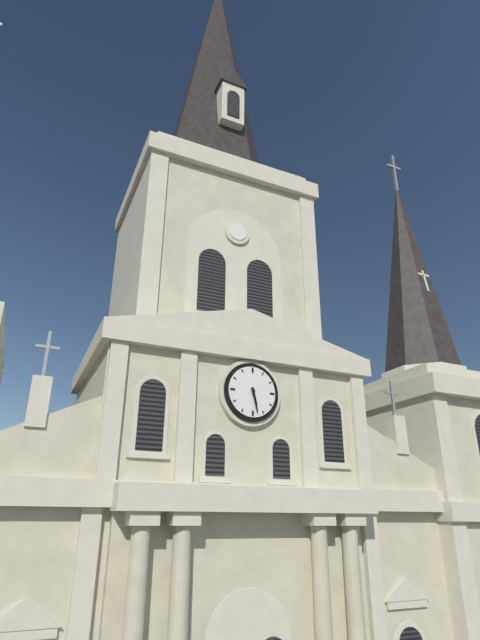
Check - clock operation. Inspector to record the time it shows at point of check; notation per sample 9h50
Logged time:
5h28
